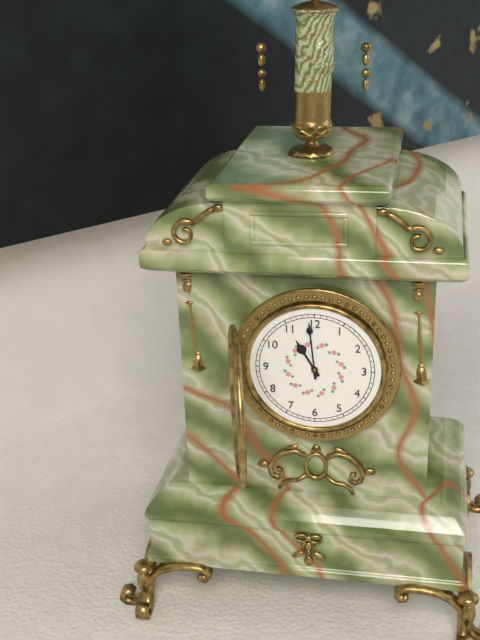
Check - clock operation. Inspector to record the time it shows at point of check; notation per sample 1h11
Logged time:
10h59
